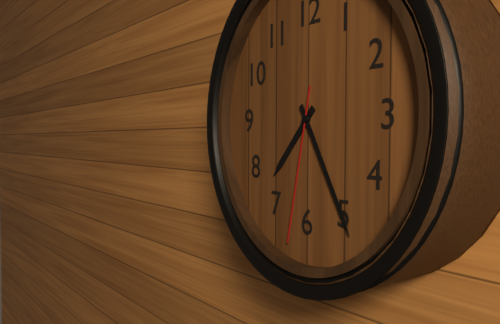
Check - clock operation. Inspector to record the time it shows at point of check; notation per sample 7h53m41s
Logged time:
7h25m32s
